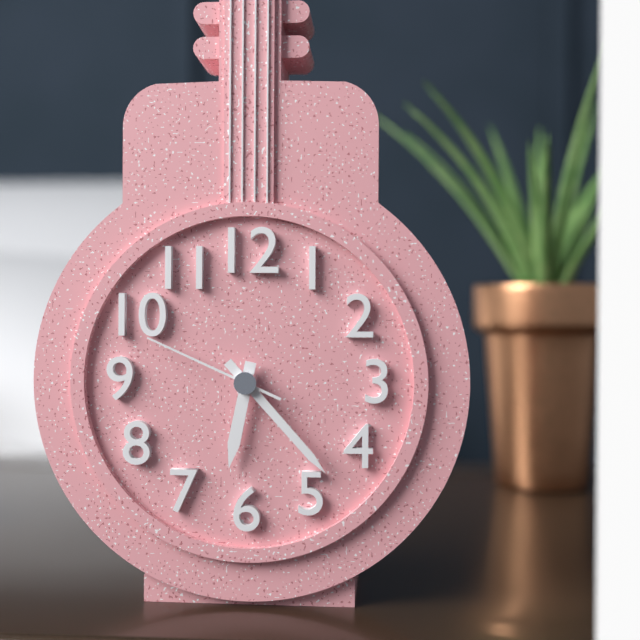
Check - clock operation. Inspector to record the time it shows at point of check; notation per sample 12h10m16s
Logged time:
6h23m49s
